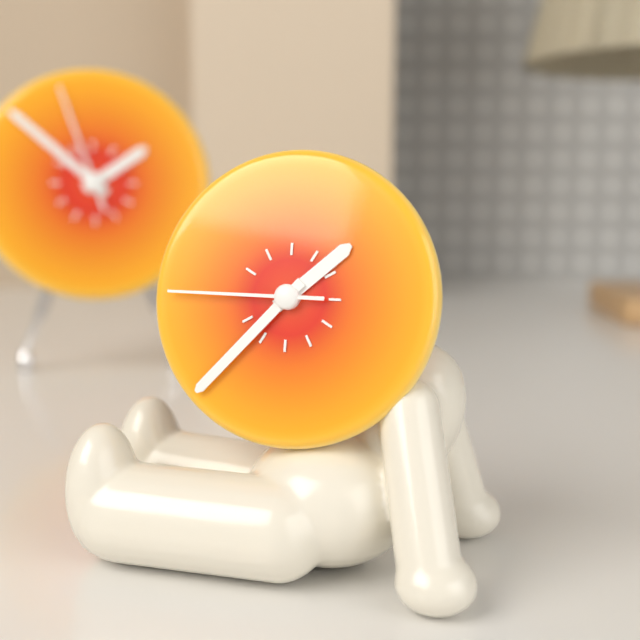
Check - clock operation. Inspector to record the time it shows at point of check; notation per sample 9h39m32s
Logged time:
1h37m45s
